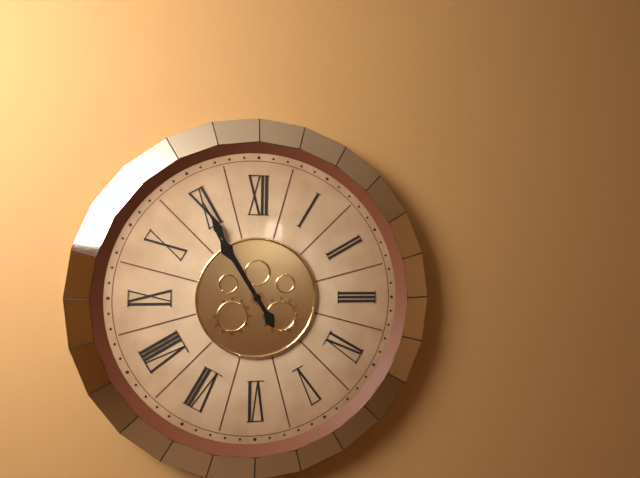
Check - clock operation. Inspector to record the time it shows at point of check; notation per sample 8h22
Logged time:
10h55
